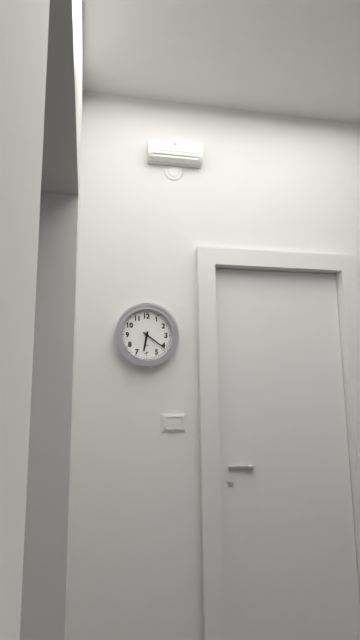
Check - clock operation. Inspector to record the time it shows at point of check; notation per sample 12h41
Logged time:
6h21
